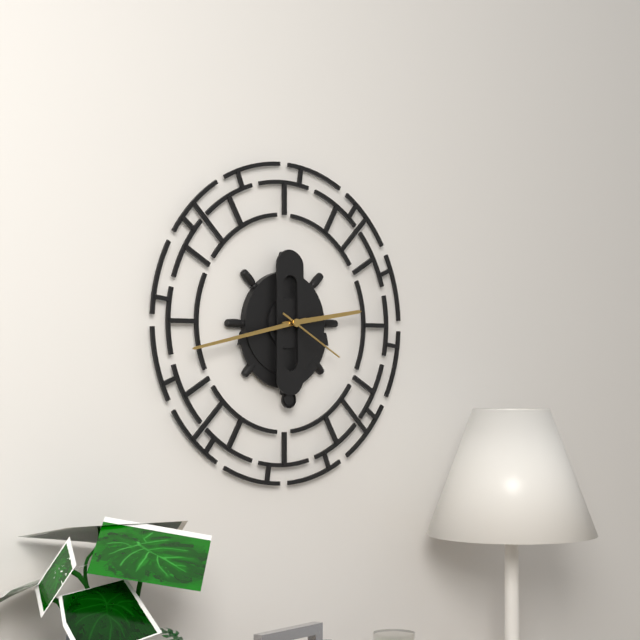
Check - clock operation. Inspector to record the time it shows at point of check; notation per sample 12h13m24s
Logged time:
2h43m20s
